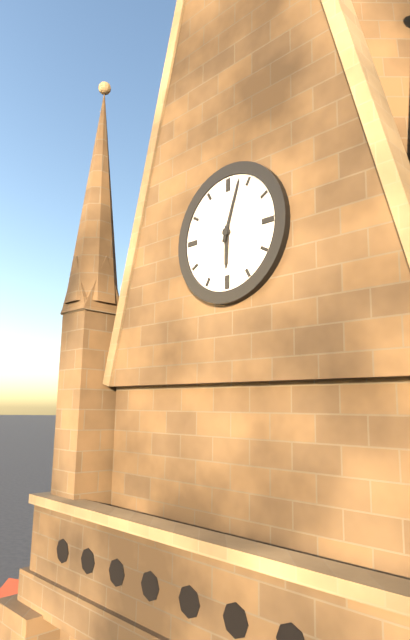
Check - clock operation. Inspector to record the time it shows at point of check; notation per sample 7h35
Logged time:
6h03
